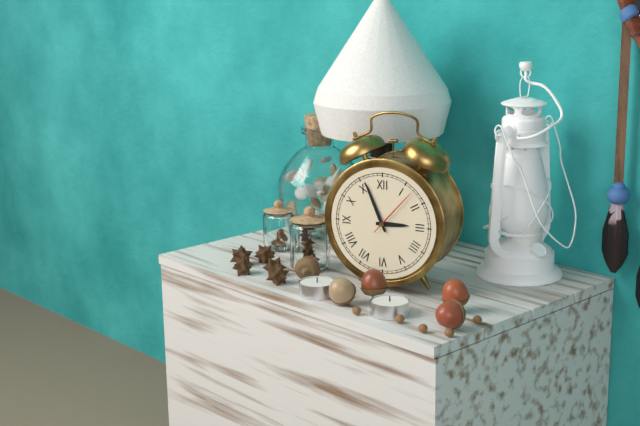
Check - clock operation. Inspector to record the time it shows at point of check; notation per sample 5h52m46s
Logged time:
2h56m07s
